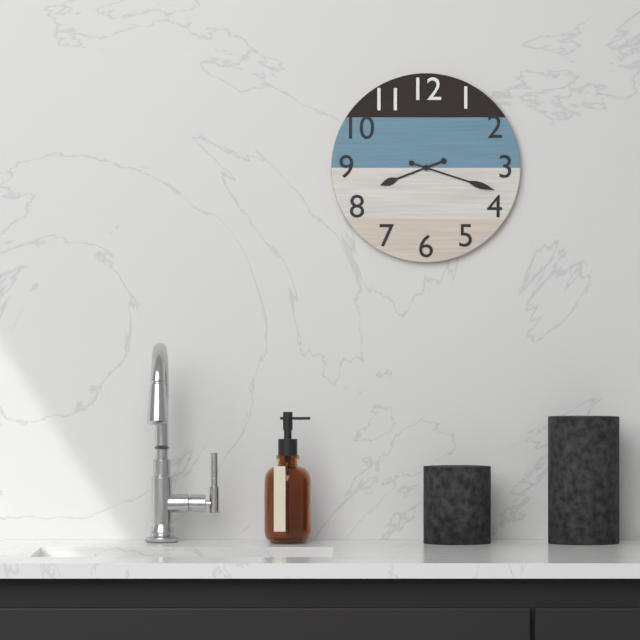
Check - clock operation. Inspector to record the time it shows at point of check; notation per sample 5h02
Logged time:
8h18
